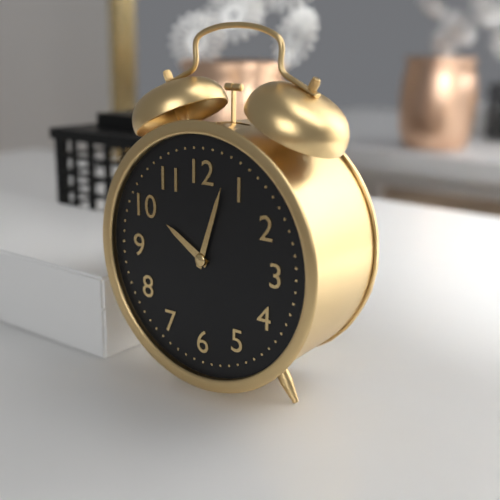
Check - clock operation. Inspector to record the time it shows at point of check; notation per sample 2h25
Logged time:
10h03
